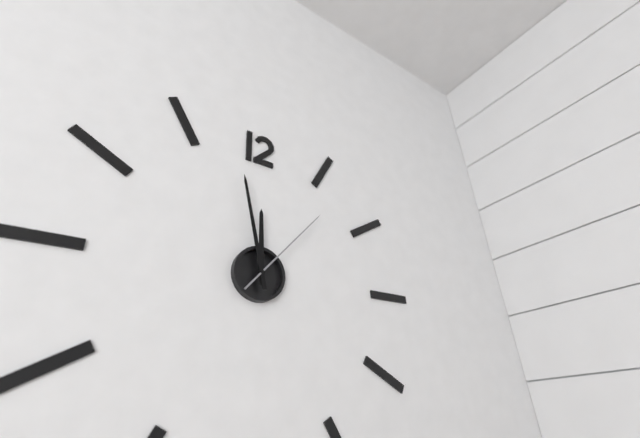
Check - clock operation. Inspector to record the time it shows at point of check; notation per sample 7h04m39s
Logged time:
11h58m07s
